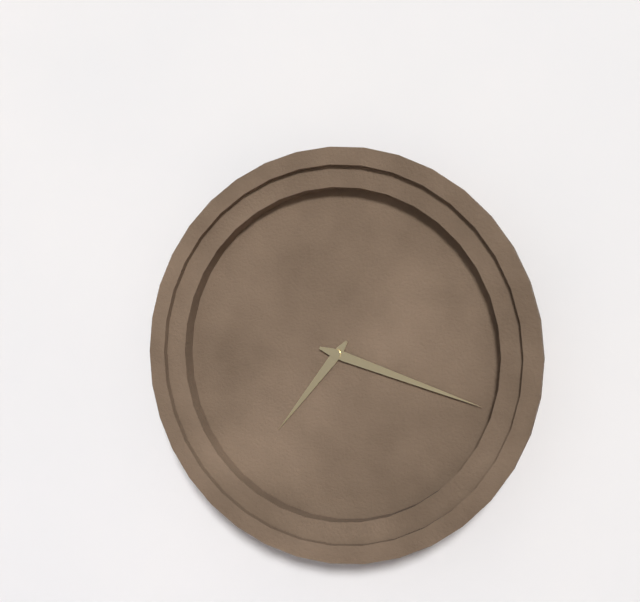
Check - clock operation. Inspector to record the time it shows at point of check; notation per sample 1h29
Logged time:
7h18
